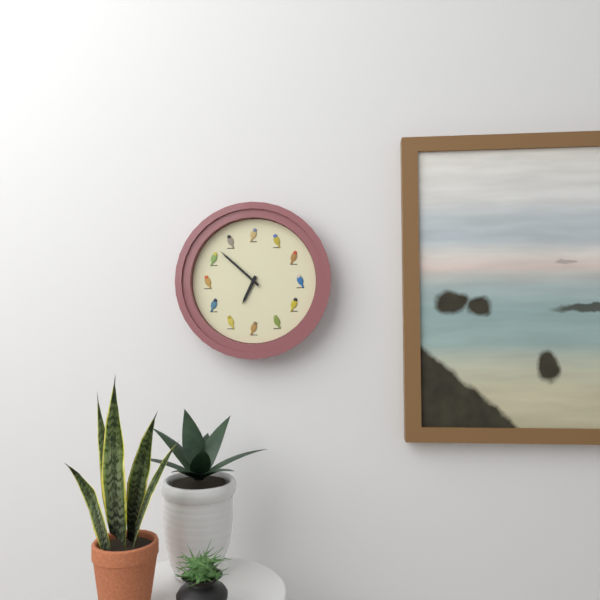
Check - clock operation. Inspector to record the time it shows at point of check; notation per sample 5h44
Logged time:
6h52
